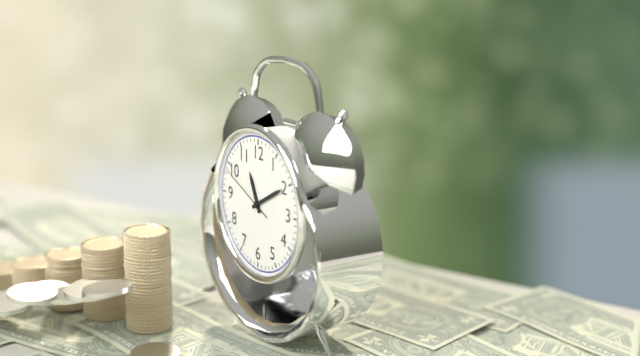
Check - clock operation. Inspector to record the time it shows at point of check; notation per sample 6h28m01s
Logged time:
11h10m49s
